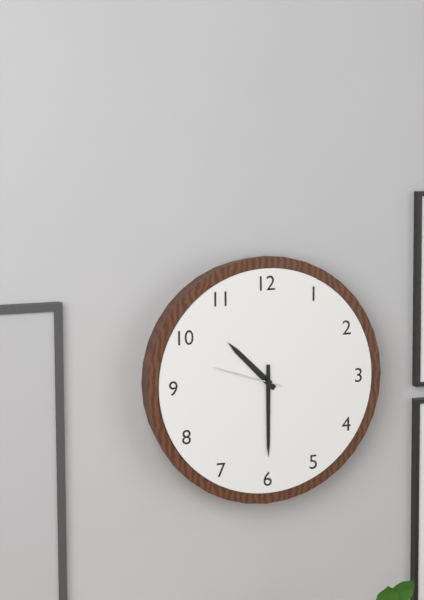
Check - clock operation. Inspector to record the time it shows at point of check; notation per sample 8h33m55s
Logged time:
10h30m48s
